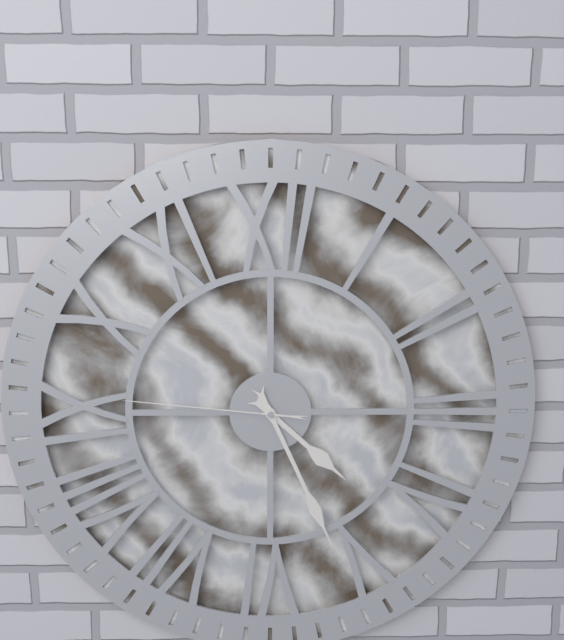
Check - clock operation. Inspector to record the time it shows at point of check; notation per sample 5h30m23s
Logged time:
4h26m46s
